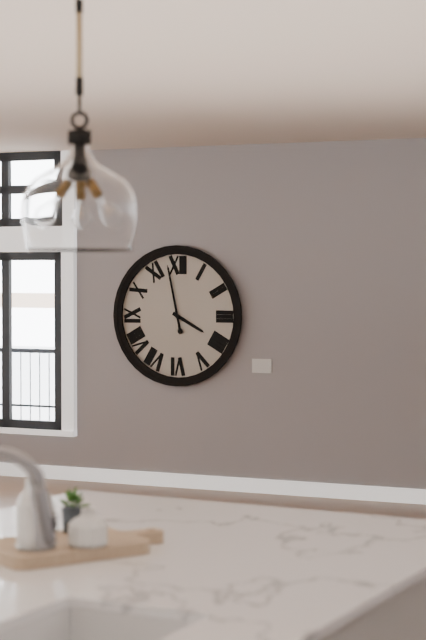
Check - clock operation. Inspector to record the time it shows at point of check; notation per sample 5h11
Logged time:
3h58
